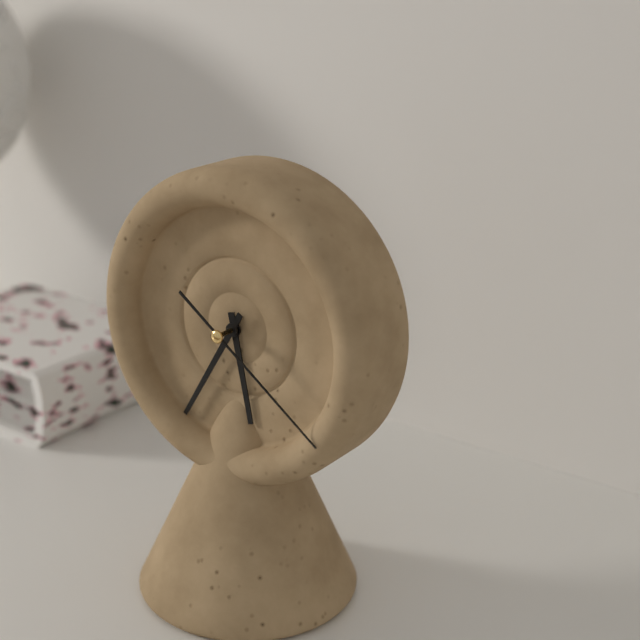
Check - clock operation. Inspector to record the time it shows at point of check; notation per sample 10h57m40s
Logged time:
5h35m21s
